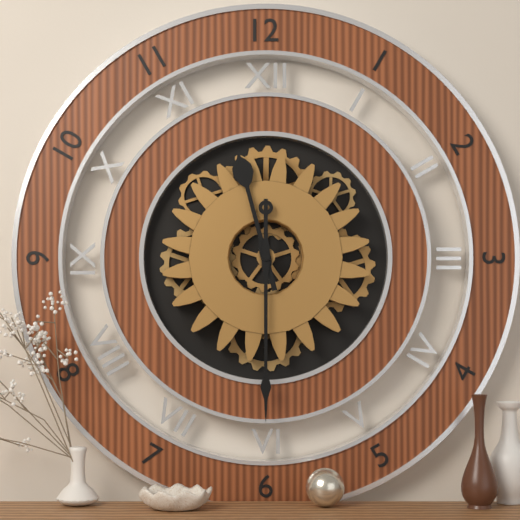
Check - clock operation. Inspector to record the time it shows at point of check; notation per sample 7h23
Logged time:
11h30
